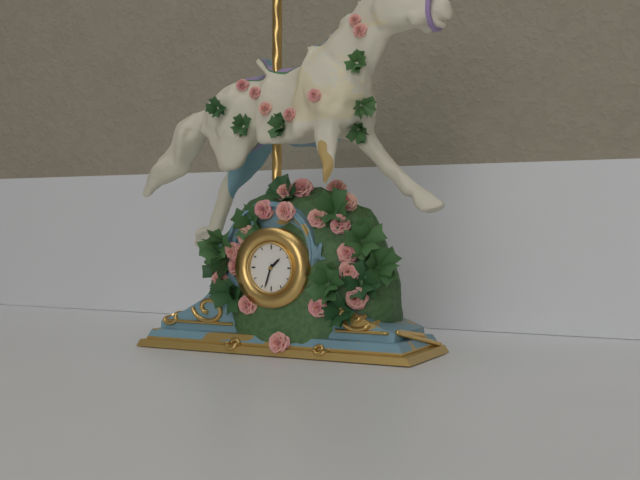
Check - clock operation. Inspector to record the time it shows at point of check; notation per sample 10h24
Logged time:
1h33
